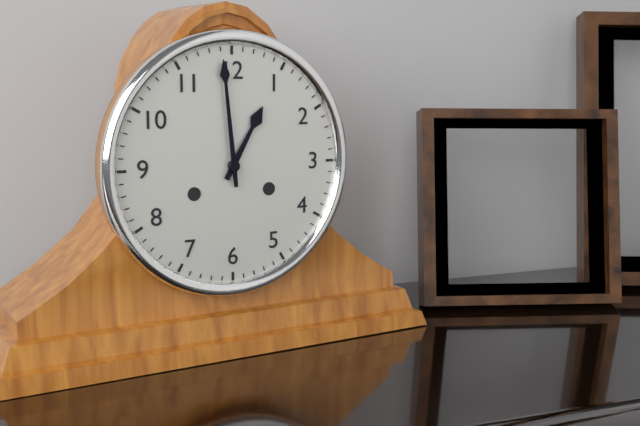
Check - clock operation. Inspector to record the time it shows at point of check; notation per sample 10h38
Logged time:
12h59
